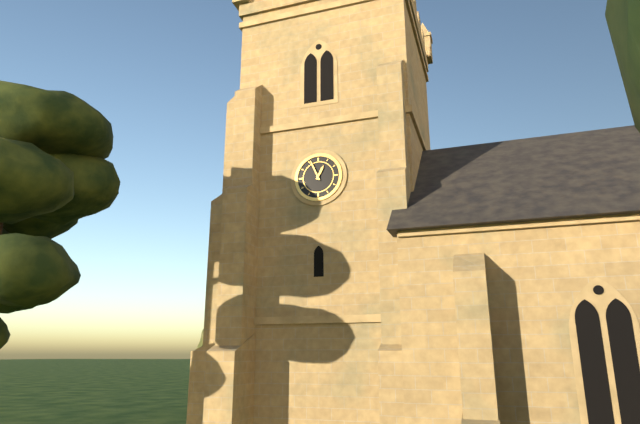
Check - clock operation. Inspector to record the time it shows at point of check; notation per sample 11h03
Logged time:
12h56
